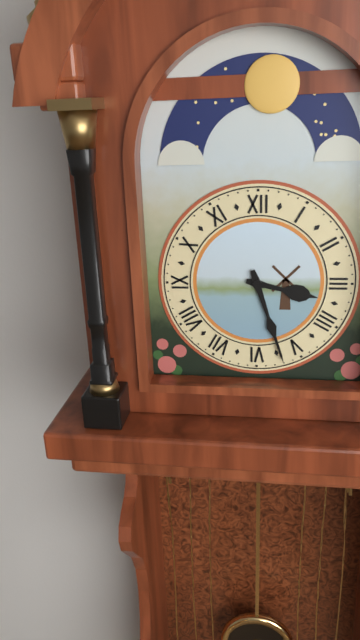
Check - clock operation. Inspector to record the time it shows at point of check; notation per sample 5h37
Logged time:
3h27
